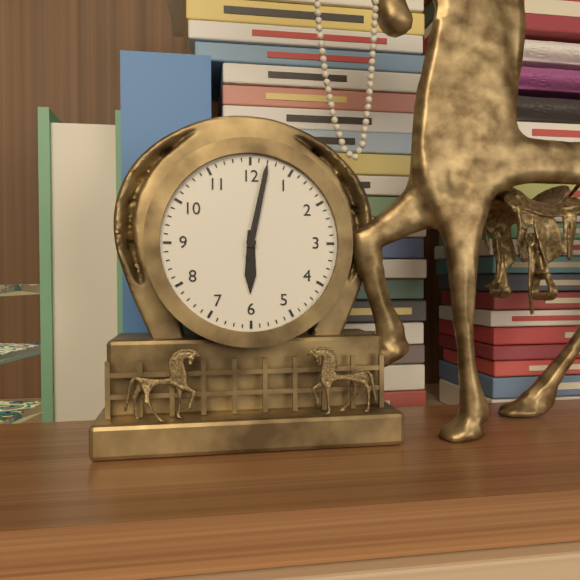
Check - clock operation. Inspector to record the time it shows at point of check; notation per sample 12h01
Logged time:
6h02
